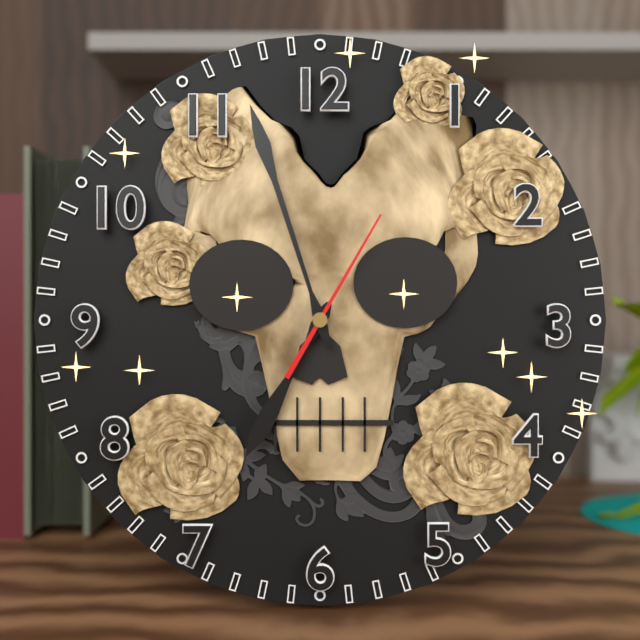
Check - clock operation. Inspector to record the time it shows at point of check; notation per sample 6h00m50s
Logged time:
6h57m05s
